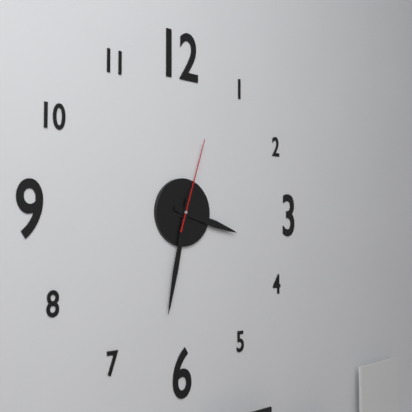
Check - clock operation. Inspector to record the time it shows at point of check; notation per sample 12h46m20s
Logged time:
3h32m03s
